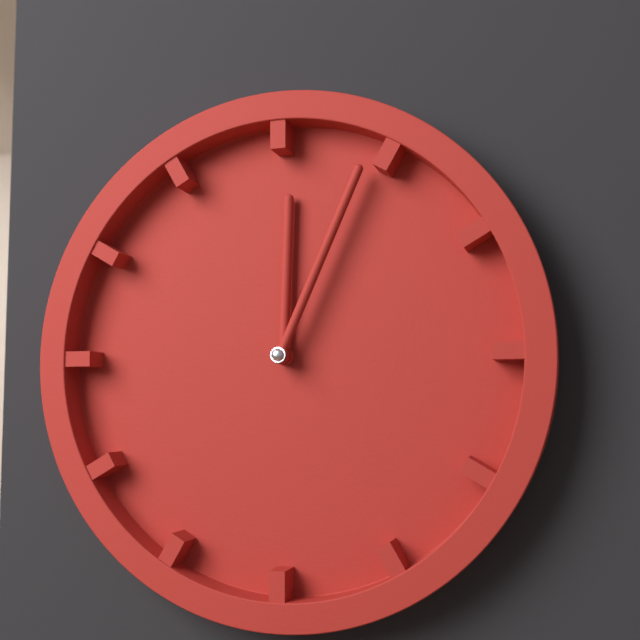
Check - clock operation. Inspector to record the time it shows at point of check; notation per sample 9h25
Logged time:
12h04
